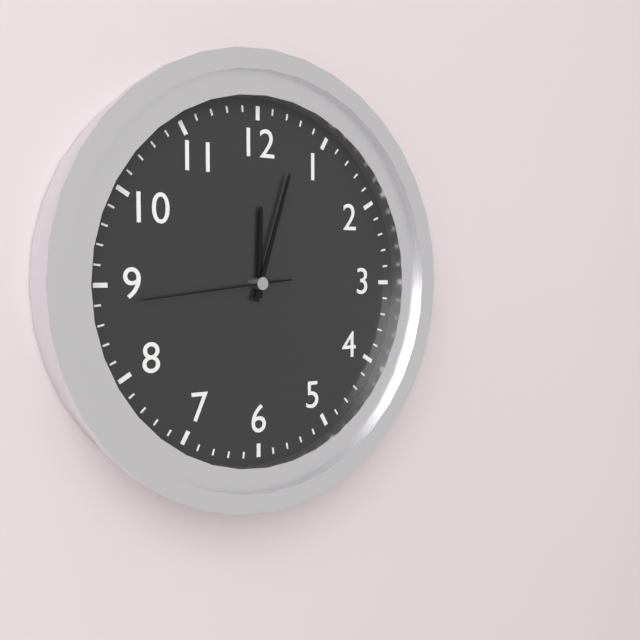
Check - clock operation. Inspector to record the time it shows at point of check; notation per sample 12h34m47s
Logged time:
12h03m44s
